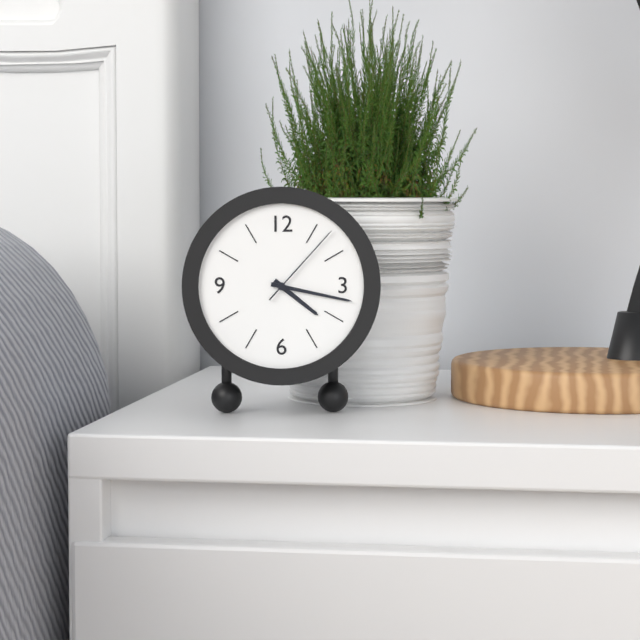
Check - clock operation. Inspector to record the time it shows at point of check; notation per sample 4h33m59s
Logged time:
4h17m07s
